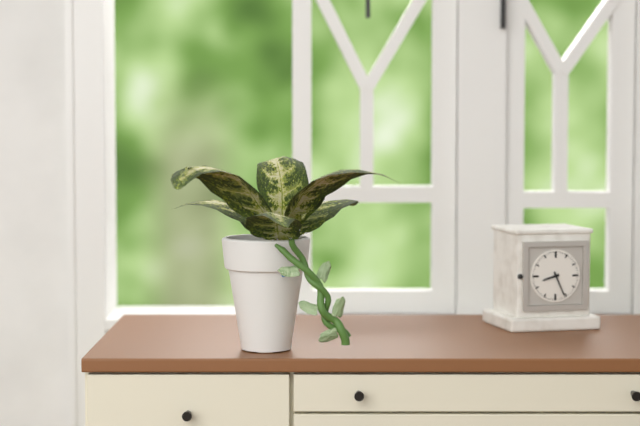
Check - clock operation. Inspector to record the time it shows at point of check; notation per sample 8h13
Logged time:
8h26
